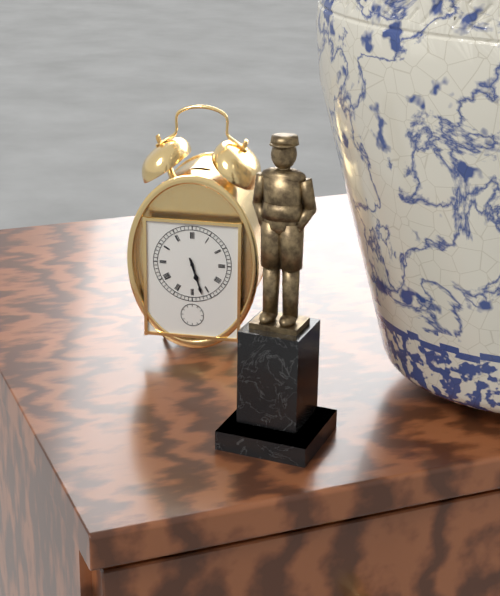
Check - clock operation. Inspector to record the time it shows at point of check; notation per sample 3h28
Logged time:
5h27
